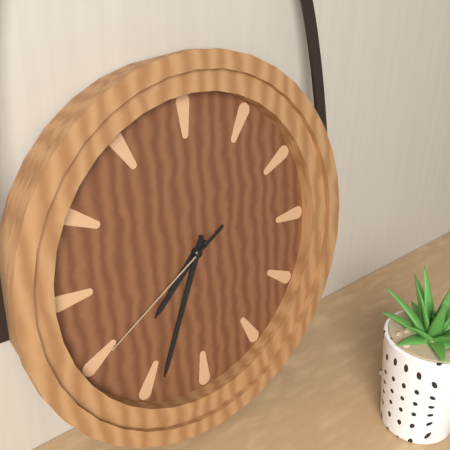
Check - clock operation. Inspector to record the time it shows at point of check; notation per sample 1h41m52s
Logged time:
7h34m40s
